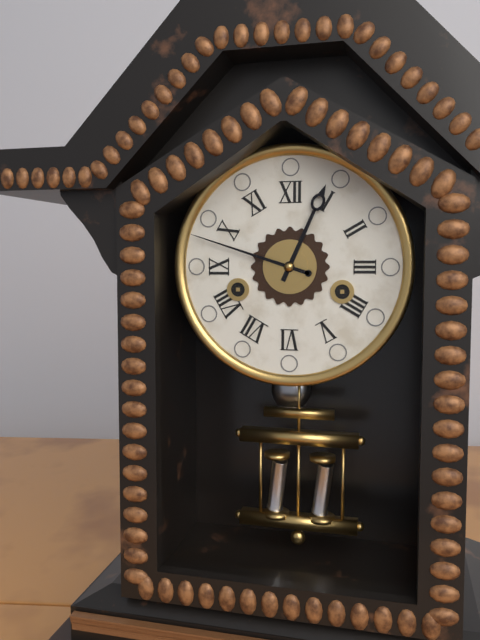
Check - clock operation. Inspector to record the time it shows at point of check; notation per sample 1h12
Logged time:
12h48
